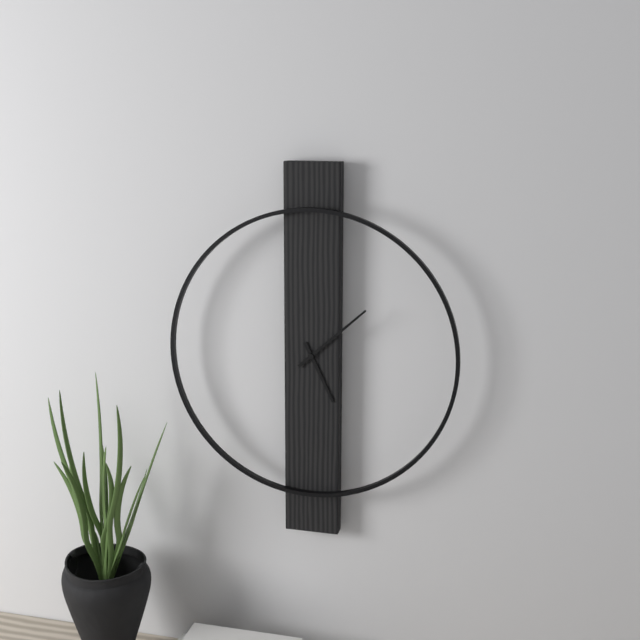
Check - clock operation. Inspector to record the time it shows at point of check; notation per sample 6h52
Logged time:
5h08
